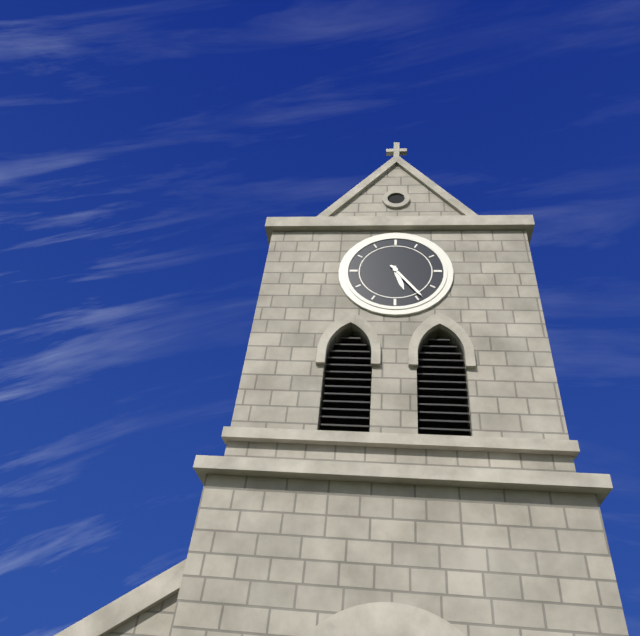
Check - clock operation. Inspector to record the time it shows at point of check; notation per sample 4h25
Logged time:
5h24
